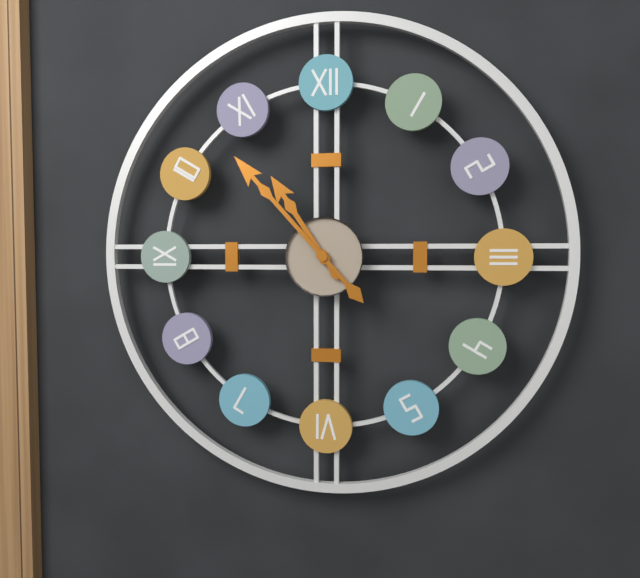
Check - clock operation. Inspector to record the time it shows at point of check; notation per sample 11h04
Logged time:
10h53
